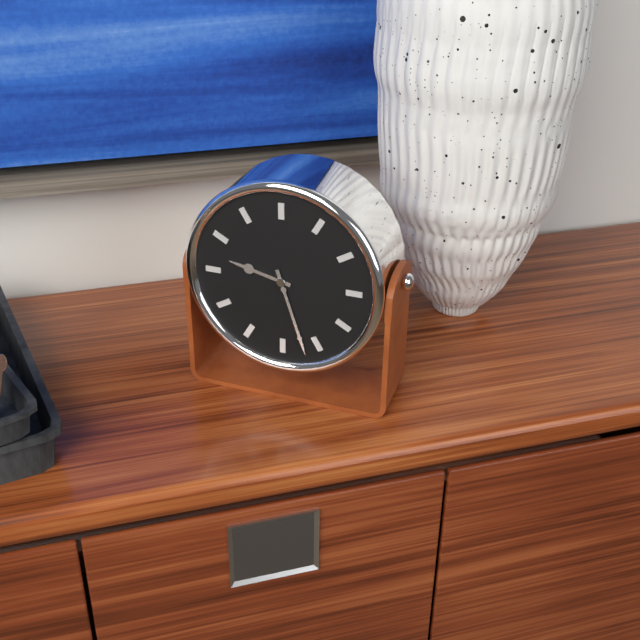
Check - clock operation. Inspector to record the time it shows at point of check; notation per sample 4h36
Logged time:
9h27
